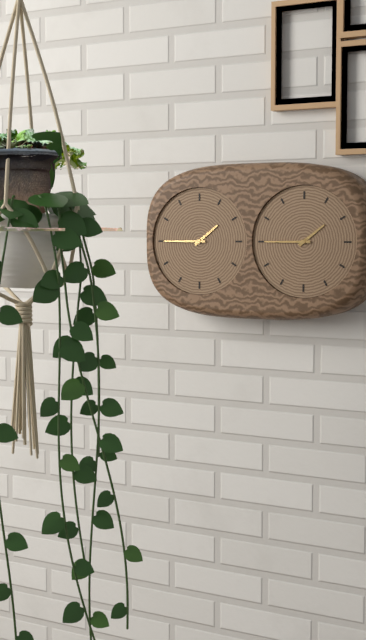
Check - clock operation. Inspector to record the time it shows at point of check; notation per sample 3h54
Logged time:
1h45
